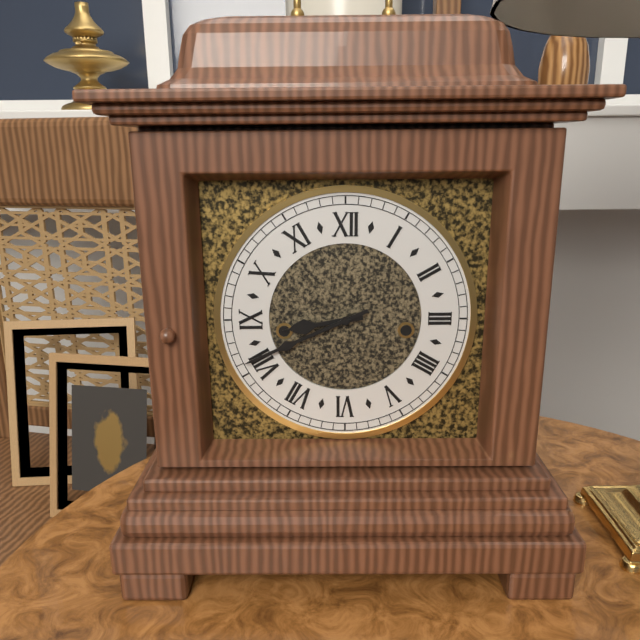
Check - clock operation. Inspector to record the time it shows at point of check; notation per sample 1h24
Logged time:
8h41
